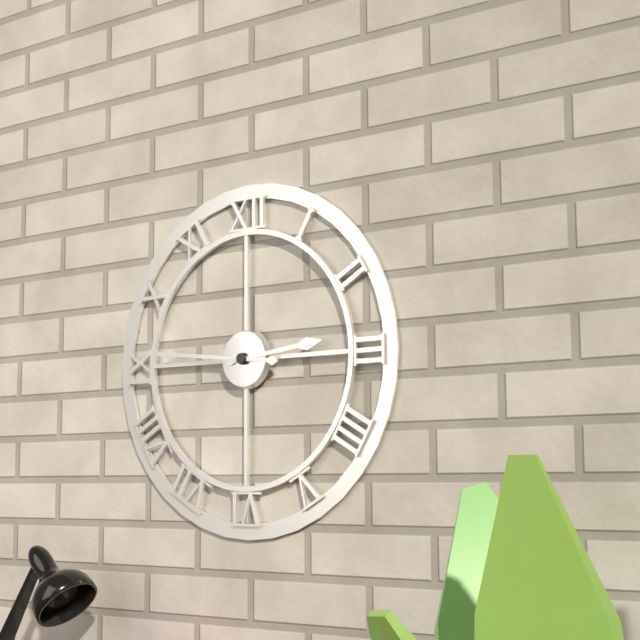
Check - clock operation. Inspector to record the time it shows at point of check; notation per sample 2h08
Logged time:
2h46
